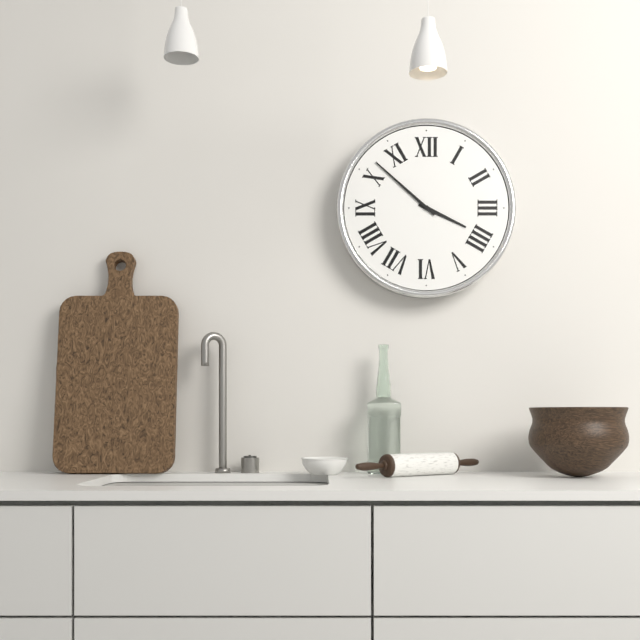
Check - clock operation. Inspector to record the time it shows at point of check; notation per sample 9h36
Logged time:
3h52
